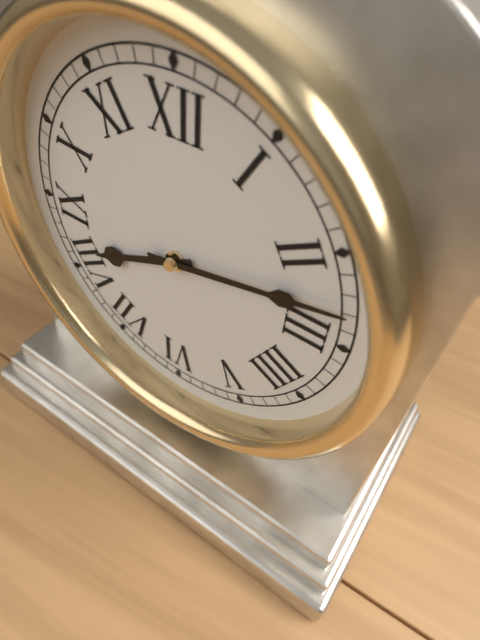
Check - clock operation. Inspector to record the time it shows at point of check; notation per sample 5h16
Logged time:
8h13
